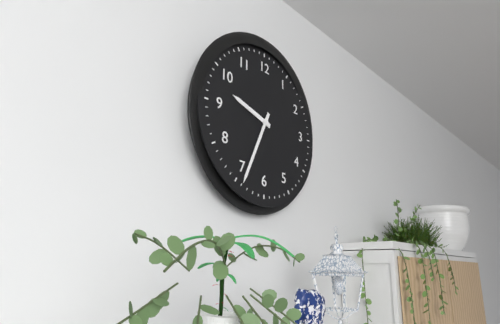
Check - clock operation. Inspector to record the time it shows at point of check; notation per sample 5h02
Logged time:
9h34
